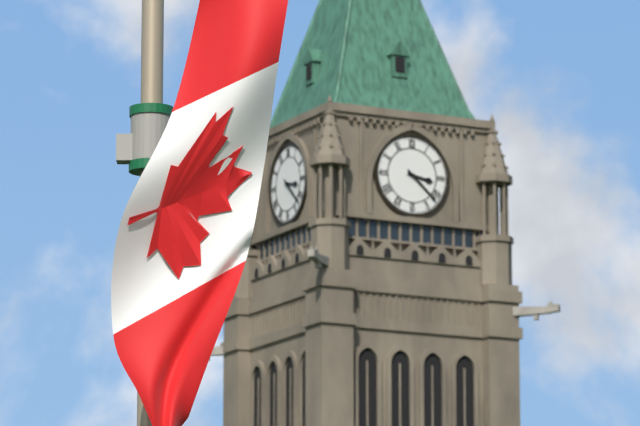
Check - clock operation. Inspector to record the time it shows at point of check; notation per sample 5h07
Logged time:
3h22
